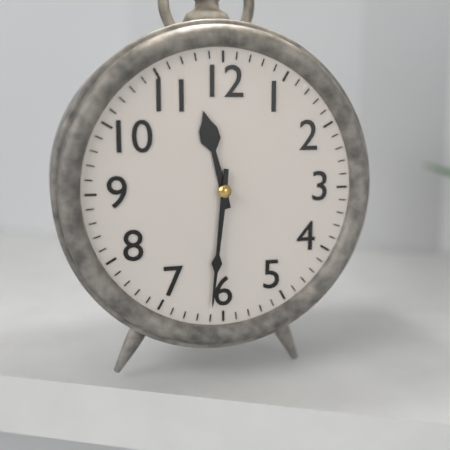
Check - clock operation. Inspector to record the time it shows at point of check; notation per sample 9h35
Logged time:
11h31
